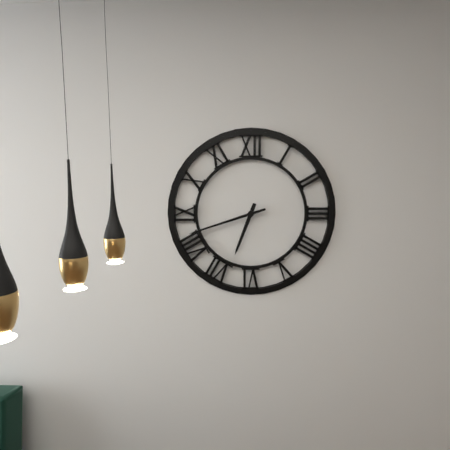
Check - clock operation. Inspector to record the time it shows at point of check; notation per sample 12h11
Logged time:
6h42
